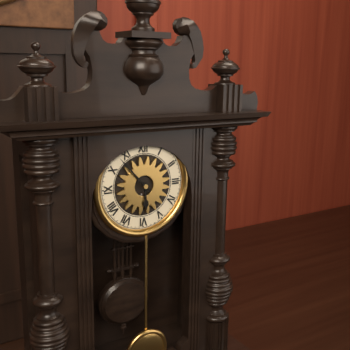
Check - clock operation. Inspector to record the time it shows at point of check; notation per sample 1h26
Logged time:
5h53
